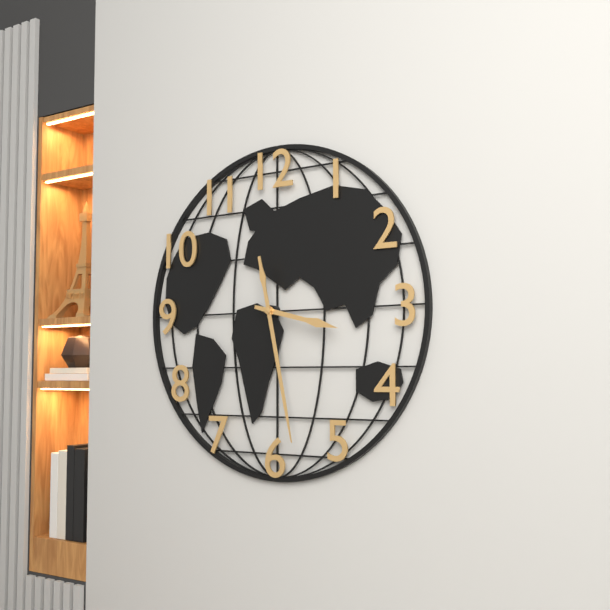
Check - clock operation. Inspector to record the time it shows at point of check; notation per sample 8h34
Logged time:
3h28
